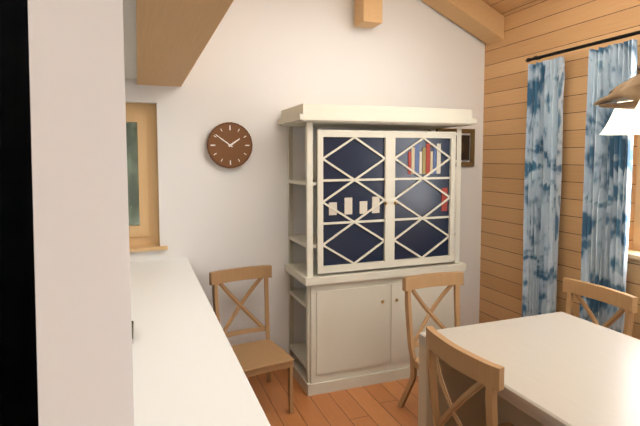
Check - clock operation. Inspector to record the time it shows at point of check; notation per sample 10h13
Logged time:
1h51
